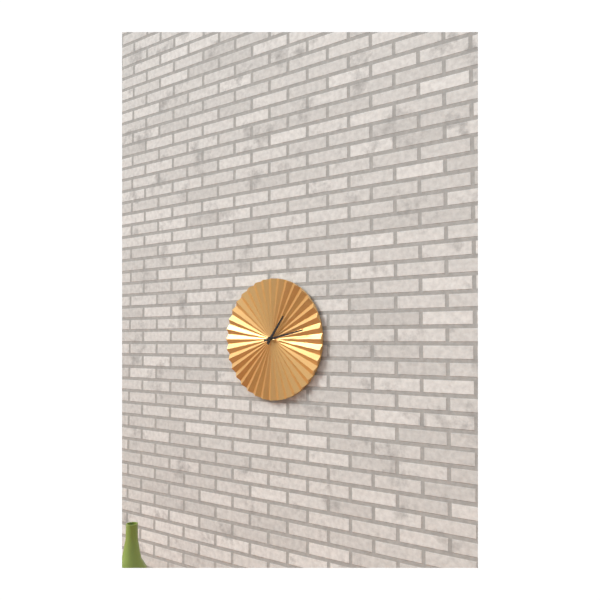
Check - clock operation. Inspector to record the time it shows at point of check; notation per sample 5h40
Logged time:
1h13
